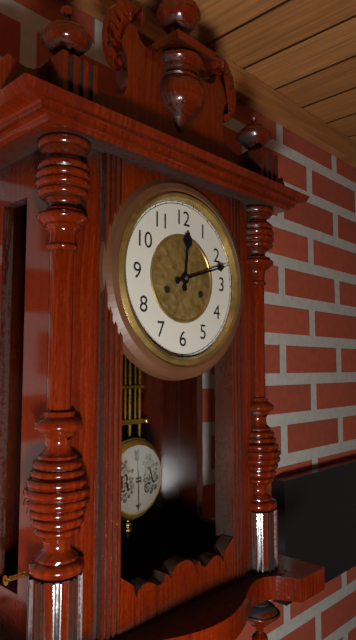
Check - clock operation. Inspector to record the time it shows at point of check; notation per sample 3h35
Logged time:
12h12
